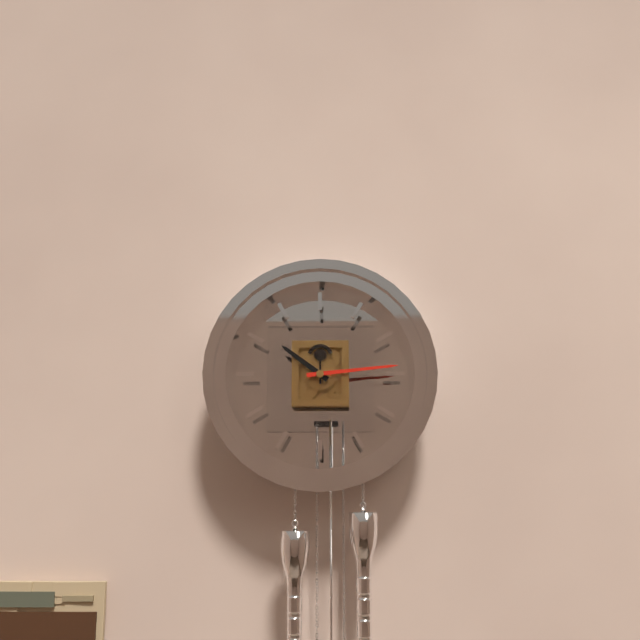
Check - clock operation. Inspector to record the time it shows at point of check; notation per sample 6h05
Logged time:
10h14
